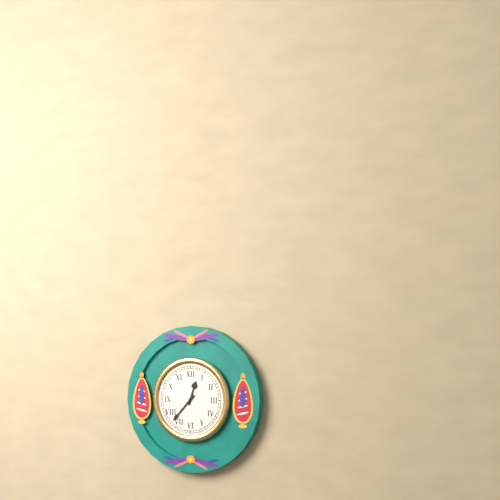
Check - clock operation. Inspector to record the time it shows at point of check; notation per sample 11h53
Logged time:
12h37
